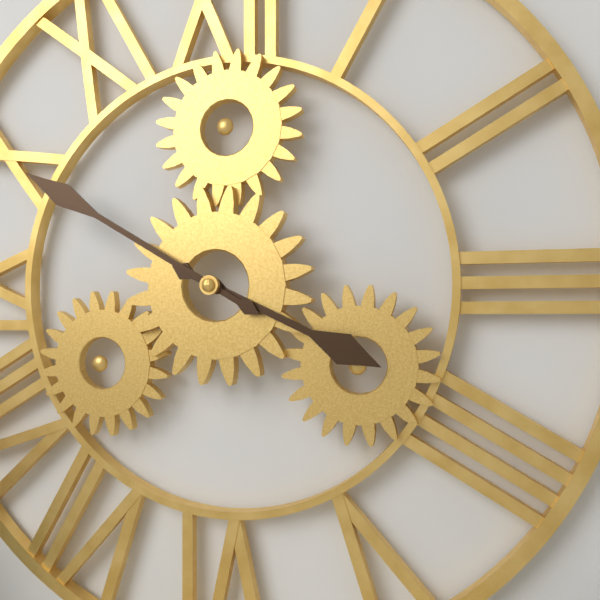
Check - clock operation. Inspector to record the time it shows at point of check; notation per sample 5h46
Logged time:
3h50
